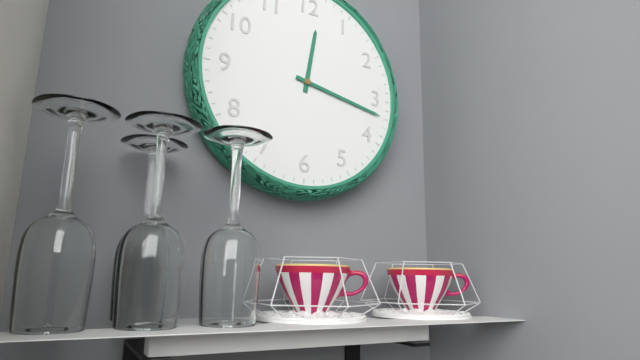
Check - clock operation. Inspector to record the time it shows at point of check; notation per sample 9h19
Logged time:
12h17
